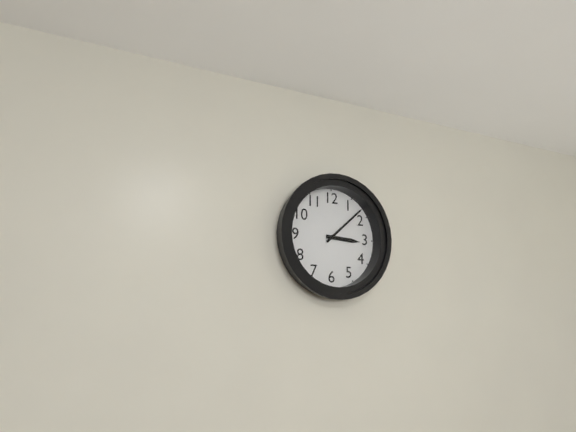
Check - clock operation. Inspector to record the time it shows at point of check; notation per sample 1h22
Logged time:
3h08
